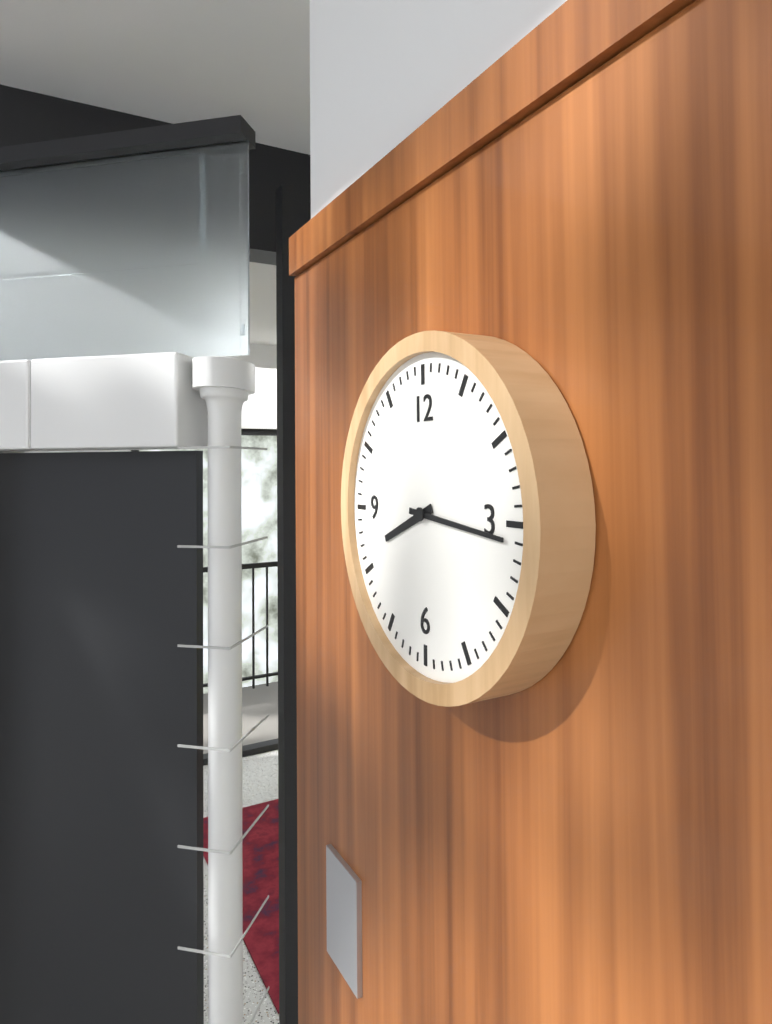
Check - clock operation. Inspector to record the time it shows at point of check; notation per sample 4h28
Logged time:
8h16
